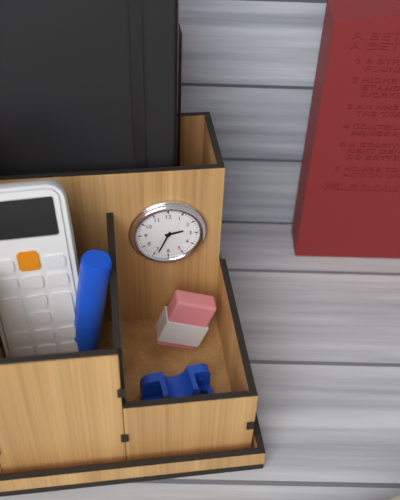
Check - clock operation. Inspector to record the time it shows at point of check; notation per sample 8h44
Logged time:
2h34
